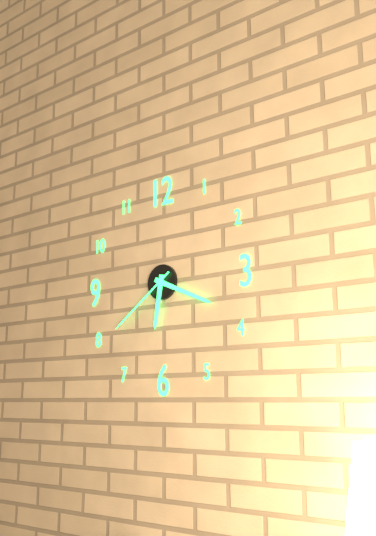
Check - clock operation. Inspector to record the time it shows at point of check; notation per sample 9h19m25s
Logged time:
6h19m39s
